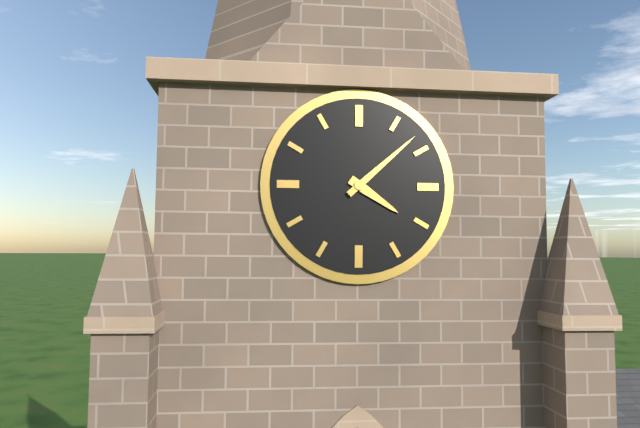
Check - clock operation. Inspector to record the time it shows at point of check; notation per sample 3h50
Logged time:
4h08
